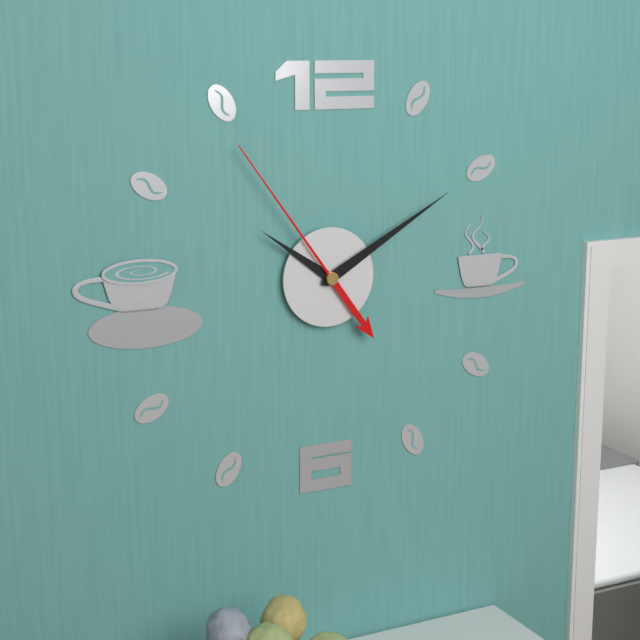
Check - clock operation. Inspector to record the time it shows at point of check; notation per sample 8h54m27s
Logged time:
10h10m54s
